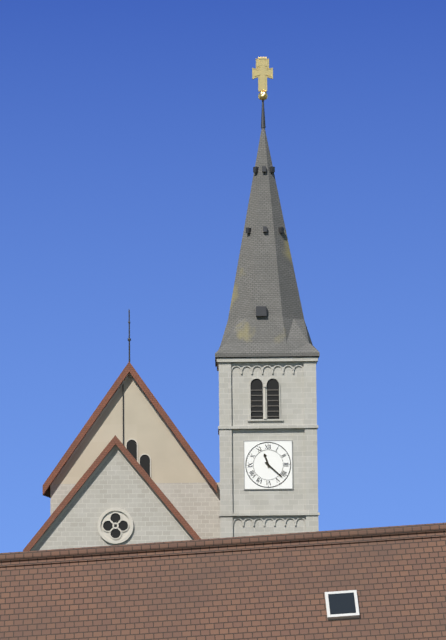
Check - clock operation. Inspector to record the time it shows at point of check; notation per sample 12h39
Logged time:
11h22
